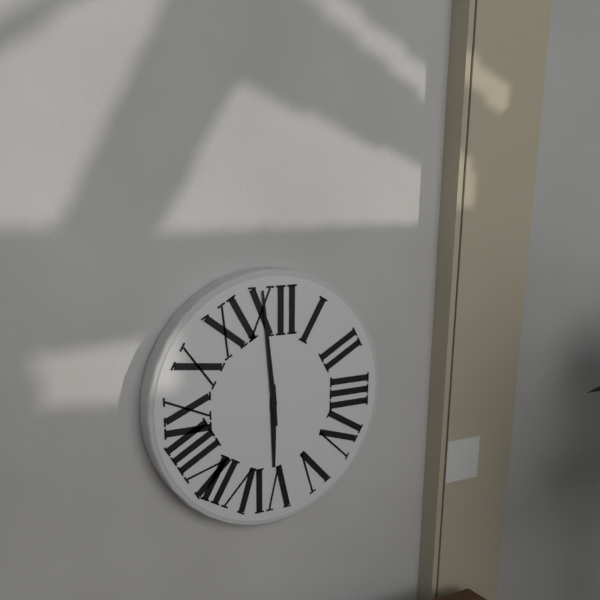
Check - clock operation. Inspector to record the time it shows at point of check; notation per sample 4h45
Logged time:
5h59
